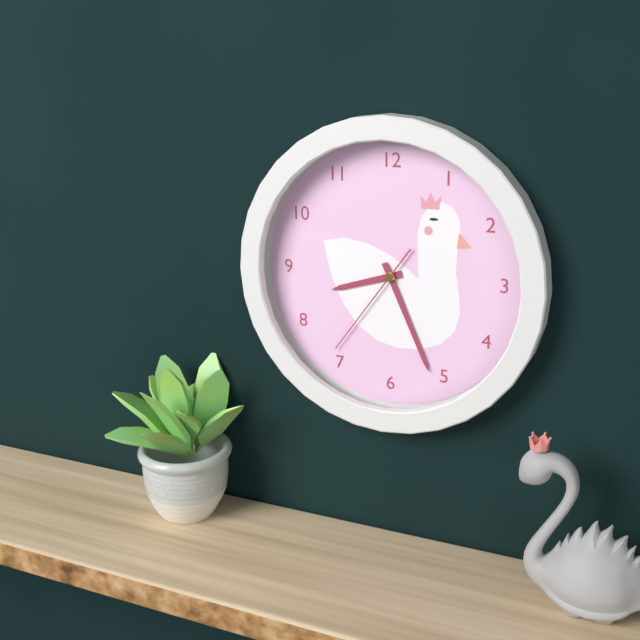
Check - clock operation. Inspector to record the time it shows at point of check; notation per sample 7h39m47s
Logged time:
8h26m36s
